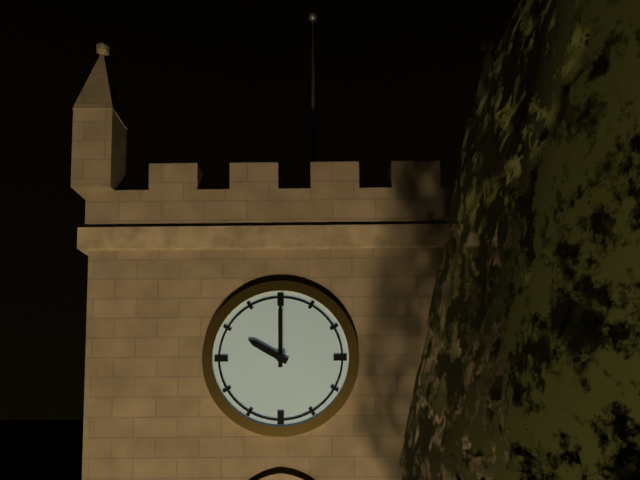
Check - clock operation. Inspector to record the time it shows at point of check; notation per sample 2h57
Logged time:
10h00
